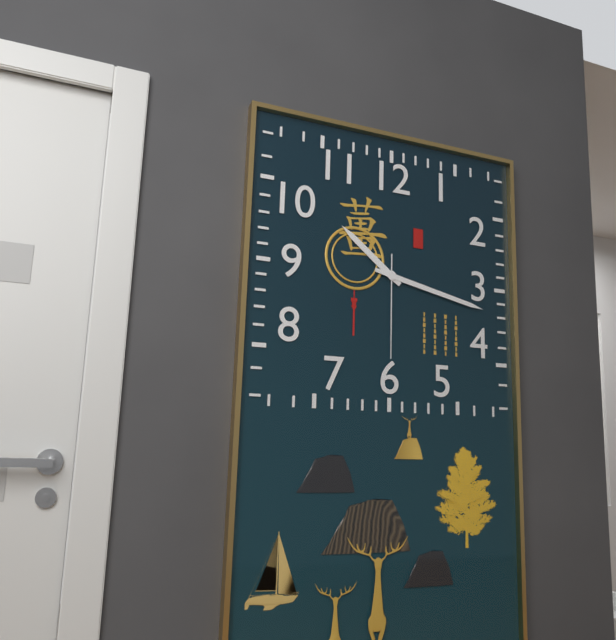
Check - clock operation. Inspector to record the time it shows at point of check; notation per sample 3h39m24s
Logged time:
10h17m30s
